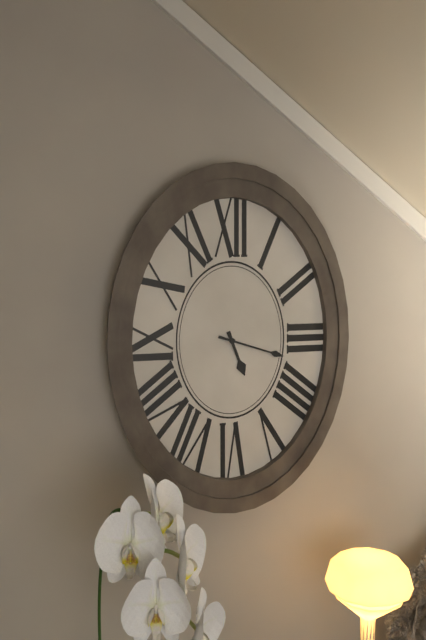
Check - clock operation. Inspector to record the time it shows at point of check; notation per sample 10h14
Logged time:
5h18
